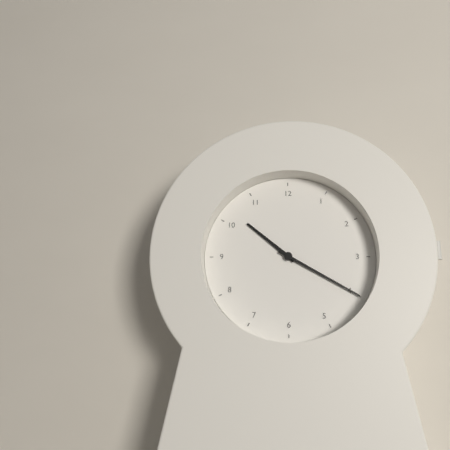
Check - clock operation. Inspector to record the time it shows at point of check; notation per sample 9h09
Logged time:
10h20
